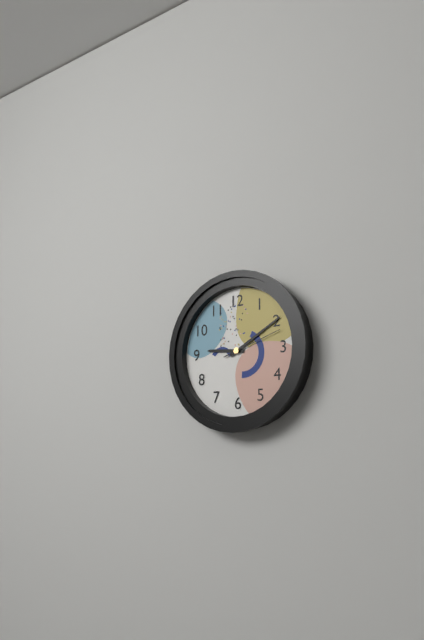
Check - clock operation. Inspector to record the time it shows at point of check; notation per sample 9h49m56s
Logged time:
9h10m12s
